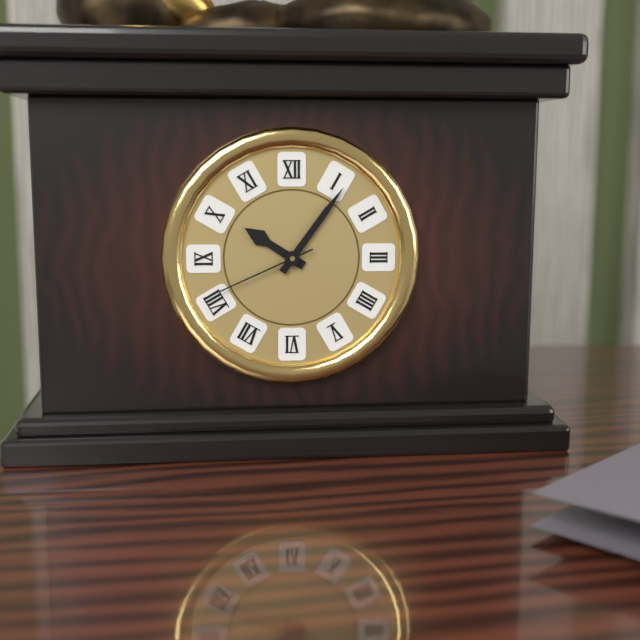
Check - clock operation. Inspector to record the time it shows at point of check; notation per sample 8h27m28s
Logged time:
10h06m41s
